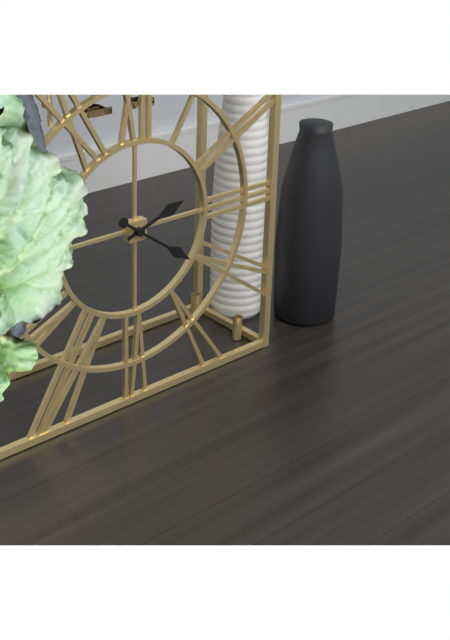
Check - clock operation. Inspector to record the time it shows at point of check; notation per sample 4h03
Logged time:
2h21
